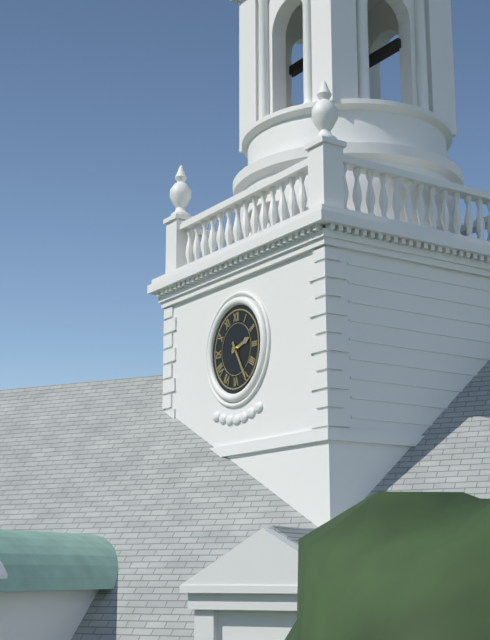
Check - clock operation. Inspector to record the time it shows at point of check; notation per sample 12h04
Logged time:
2h25
